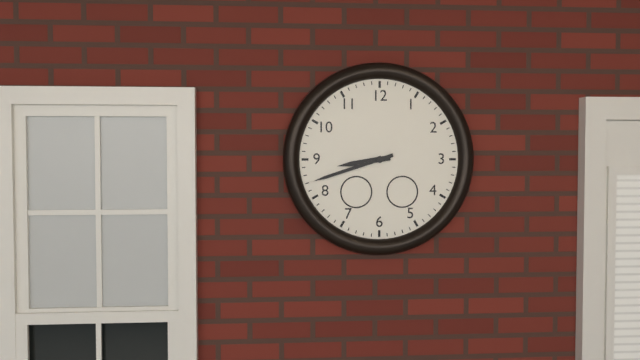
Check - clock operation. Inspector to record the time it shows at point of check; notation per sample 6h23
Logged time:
8h42
